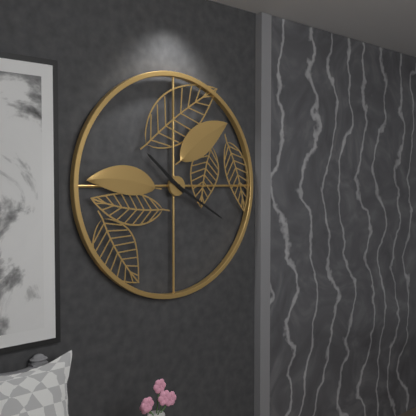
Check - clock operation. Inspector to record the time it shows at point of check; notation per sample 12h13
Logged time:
10h20
